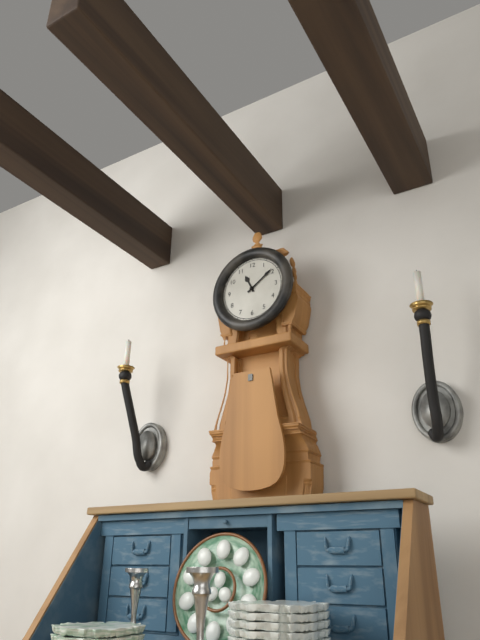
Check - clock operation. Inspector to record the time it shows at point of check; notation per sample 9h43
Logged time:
11h09
